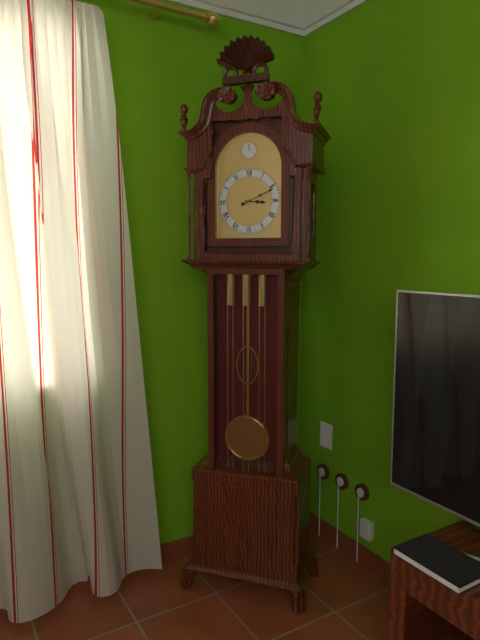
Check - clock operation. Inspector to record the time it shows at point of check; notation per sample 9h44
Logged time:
3h11
